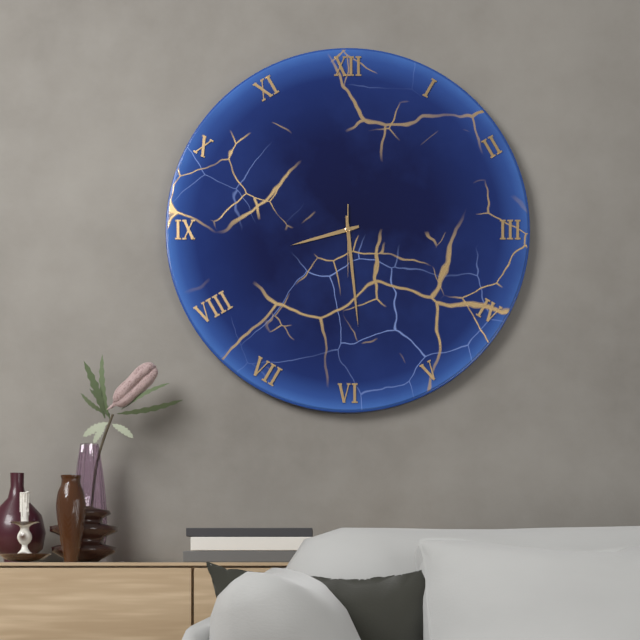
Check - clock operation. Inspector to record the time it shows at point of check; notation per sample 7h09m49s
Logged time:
8h29m30s
